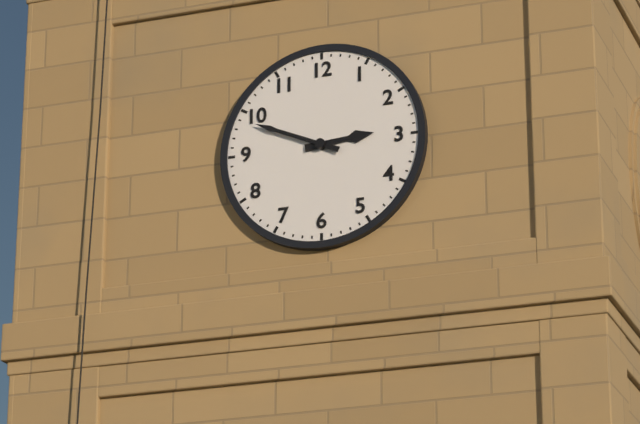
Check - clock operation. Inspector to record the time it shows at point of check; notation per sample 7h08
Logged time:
2h49
